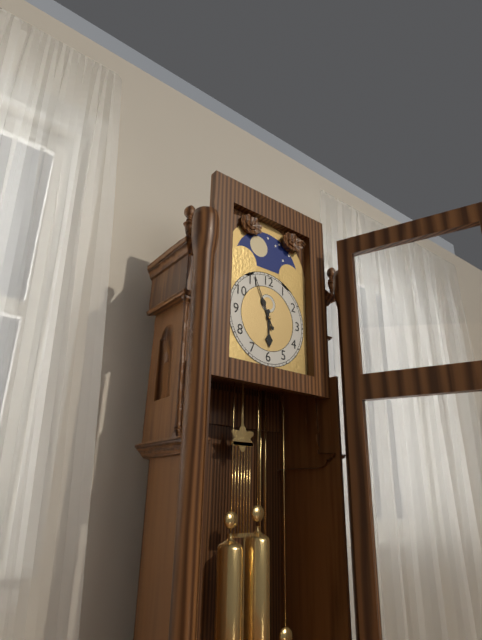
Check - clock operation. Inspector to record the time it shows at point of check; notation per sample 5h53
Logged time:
5h56
